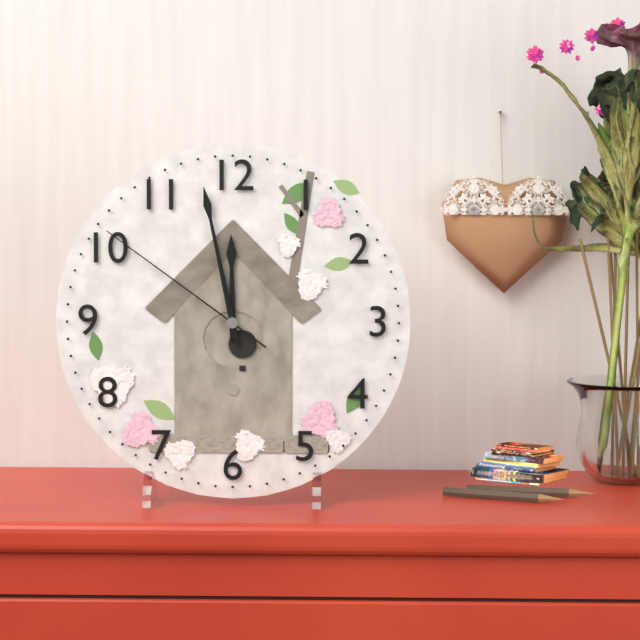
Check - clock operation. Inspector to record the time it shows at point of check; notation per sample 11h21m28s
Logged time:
11h58m51s
